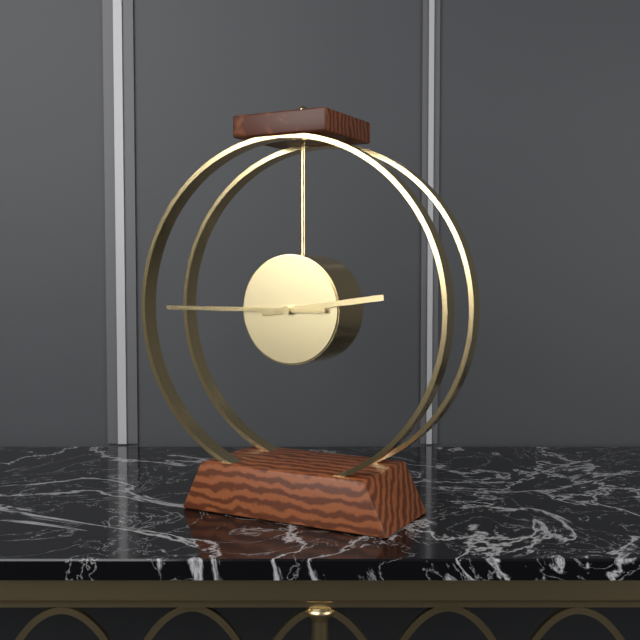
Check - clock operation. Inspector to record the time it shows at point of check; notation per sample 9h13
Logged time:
2h45
